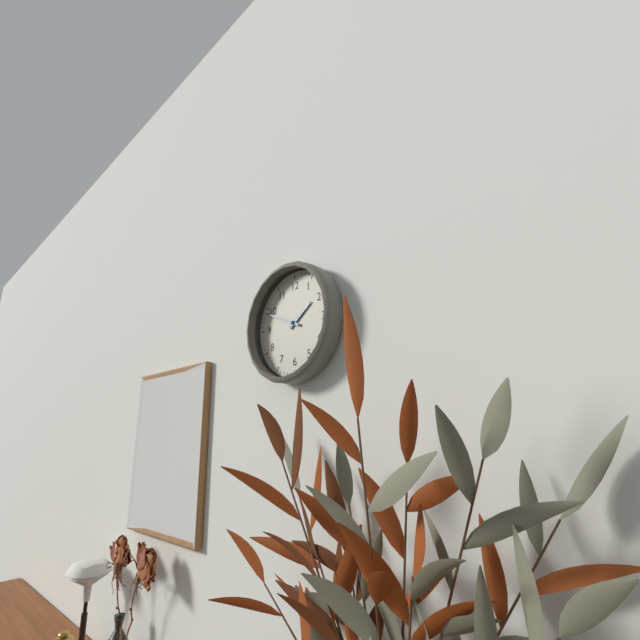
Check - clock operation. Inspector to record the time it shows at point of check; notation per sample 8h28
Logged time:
1h49
